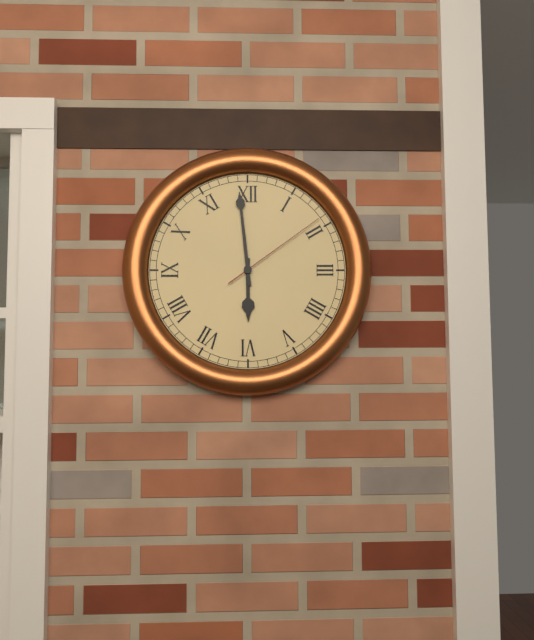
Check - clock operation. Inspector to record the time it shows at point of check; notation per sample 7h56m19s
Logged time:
5h59m09s
